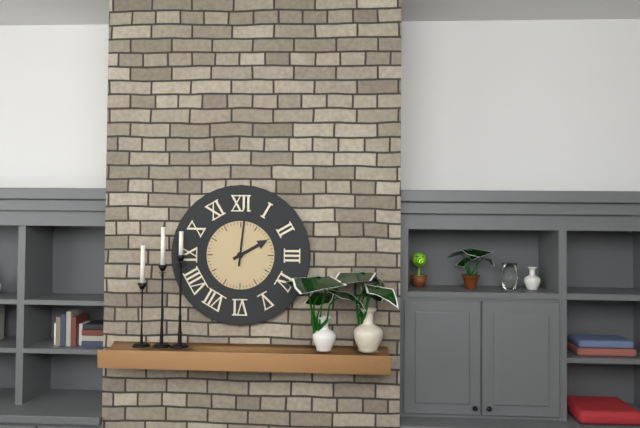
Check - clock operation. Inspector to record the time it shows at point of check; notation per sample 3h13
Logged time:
2h01
